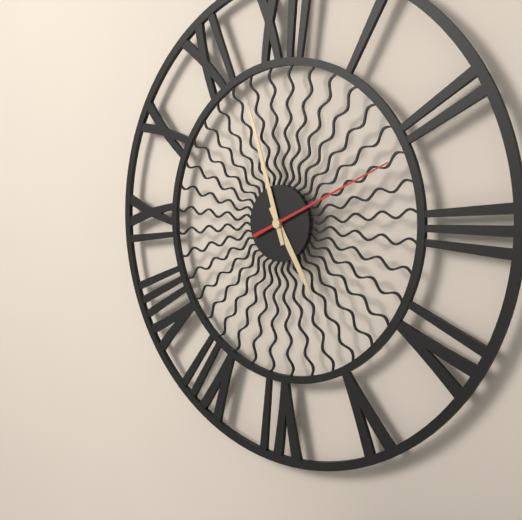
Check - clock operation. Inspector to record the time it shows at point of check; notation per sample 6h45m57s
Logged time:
4h57m11s
